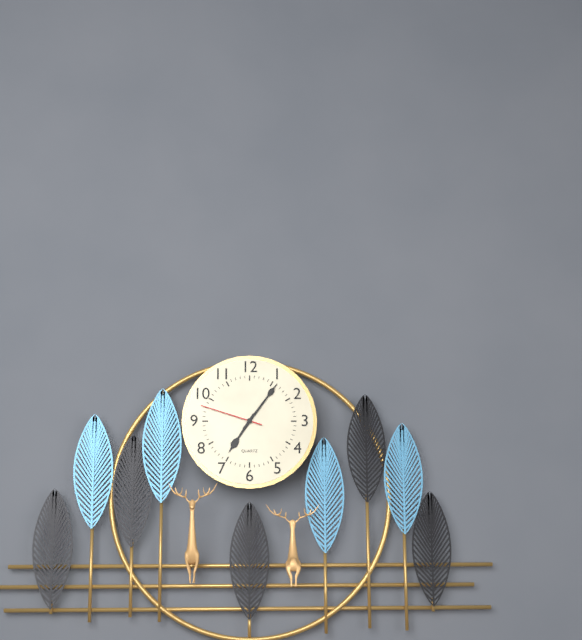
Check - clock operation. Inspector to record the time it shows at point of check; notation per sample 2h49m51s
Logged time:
7h06m48s
